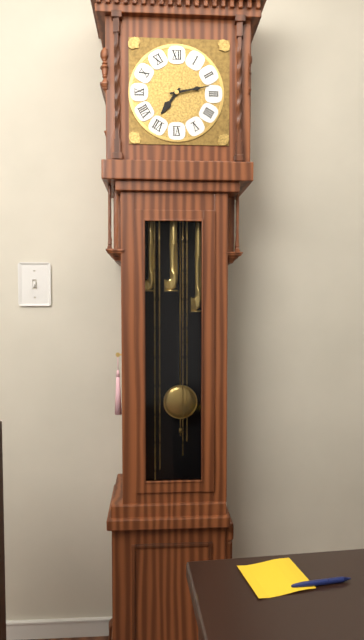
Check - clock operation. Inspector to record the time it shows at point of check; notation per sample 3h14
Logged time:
7h13
